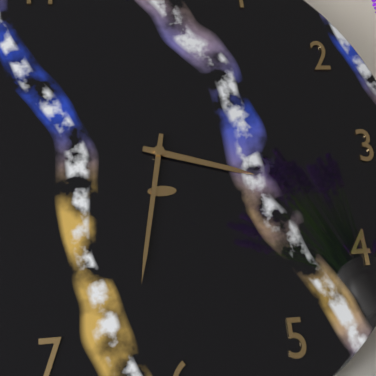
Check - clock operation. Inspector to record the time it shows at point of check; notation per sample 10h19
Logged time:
3h32
